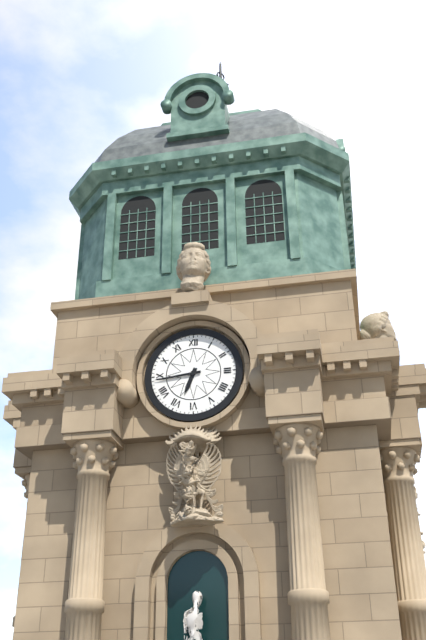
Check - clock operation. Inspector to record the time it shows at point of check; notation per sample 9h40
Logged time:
6h44
